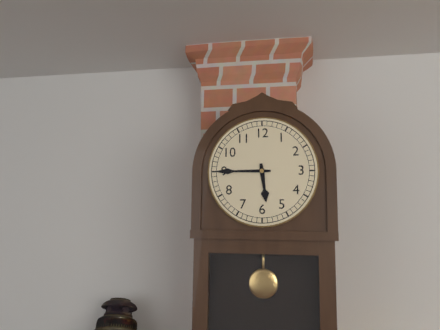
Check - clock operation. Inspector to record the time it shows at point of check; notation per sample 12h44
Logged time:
5h45
